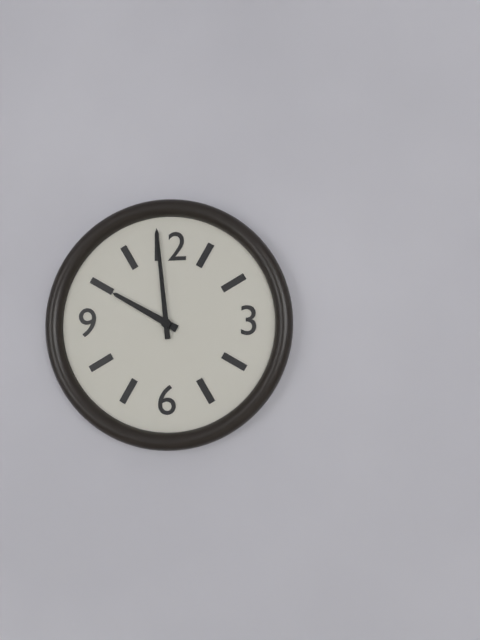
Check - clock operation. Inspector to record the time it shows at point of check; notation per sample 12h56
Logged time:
9h59
